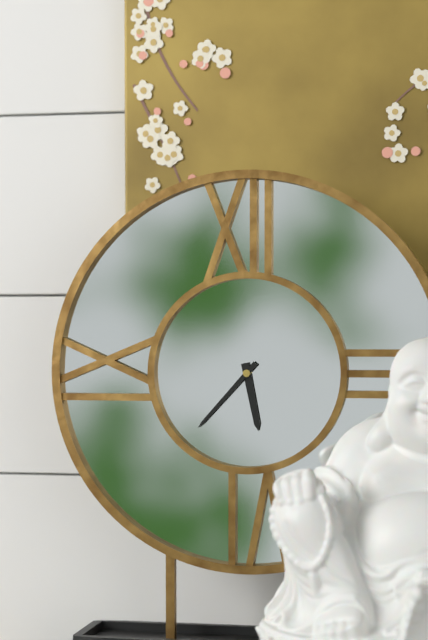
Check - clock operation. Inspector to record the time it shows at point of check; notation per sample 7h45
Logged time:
5h37
